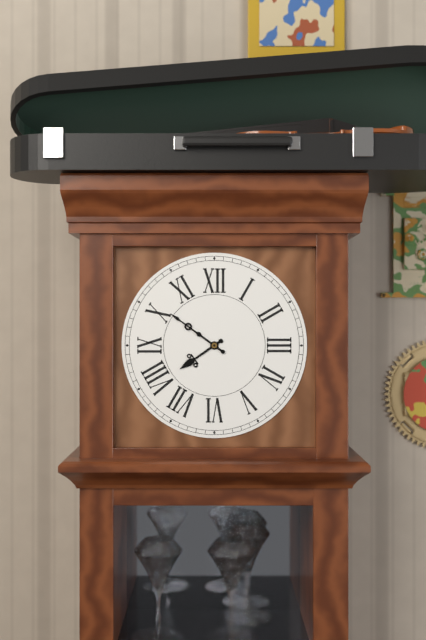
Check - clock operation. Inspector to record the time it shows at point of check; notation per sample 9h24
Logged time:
7h51
